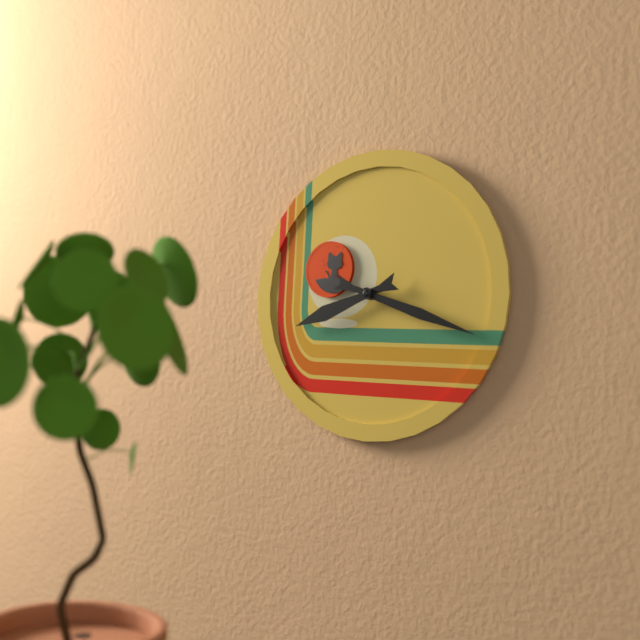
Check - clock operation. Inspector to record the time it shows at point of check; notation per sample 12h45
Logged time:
8h18
